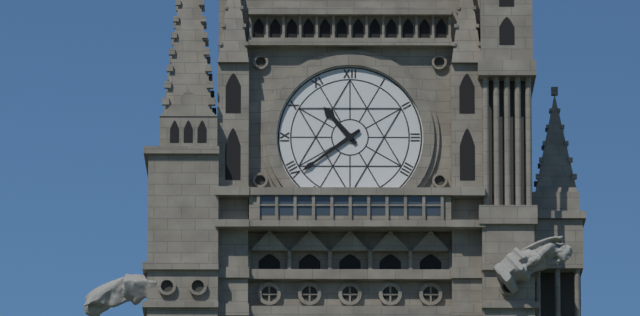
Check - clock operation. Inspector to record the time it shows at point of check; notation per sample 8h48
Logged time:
10h39
